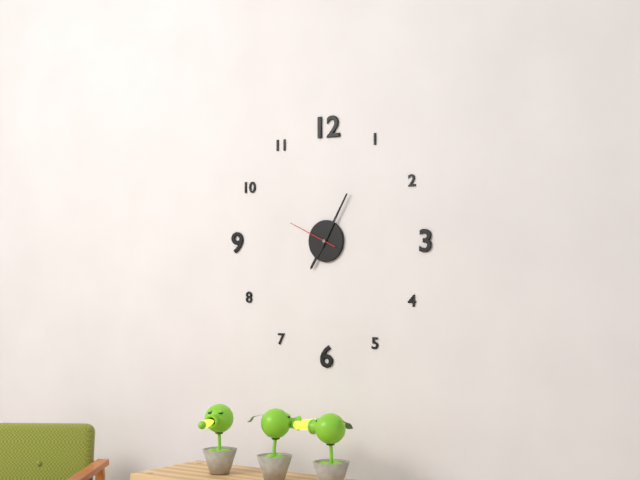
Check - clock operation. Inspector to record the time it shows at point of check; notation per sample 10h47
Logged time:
7h05
